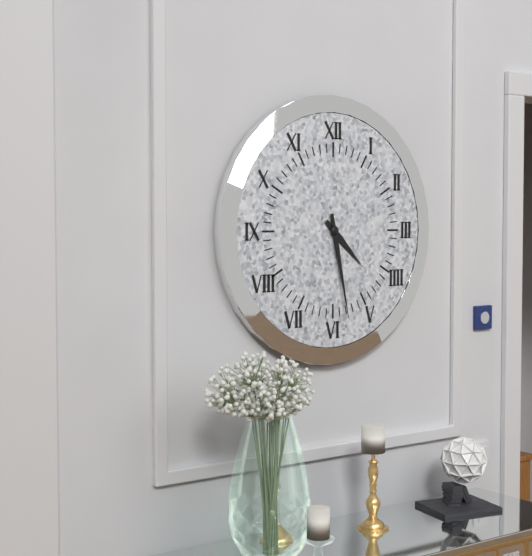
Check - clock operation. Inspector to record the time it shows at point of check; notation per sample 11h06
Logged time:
4h28
